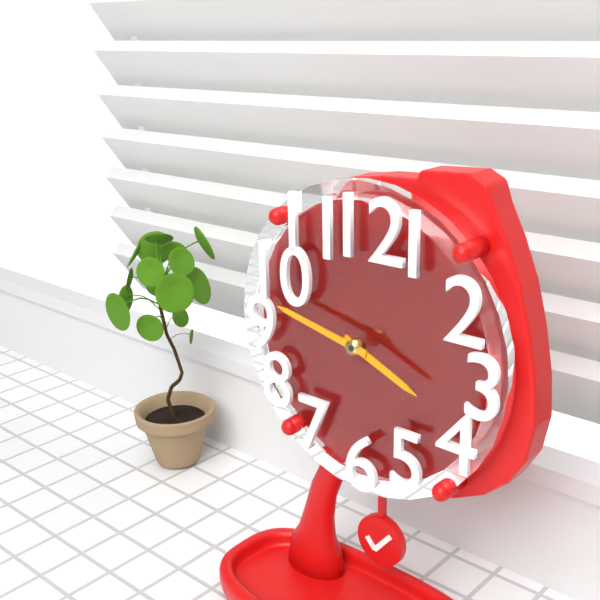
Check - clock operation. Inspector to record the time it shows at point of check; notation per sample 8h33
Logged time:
3h47
